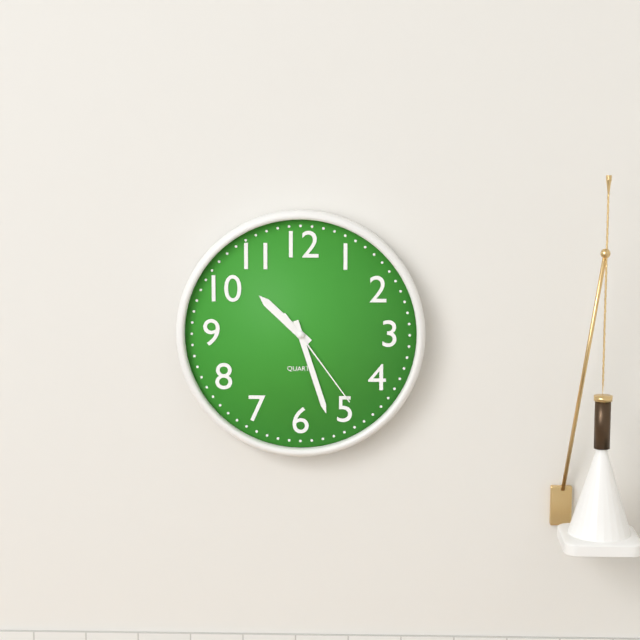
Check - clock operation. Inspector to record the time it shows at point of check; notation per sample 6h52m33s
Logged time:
10h27m24s
